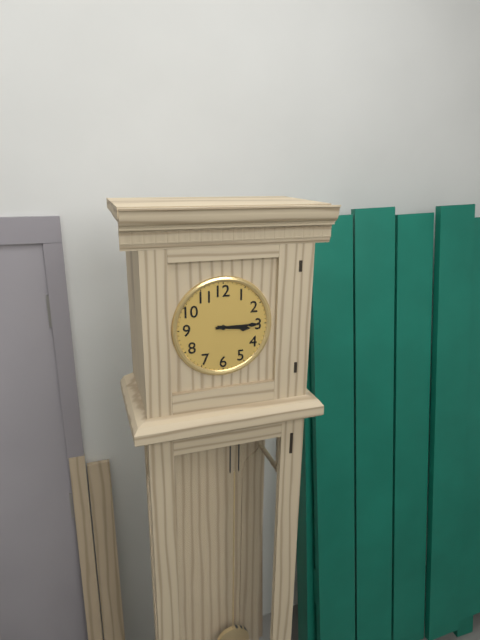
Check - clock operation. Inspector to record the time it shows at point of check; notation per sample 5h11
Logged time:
3h15
